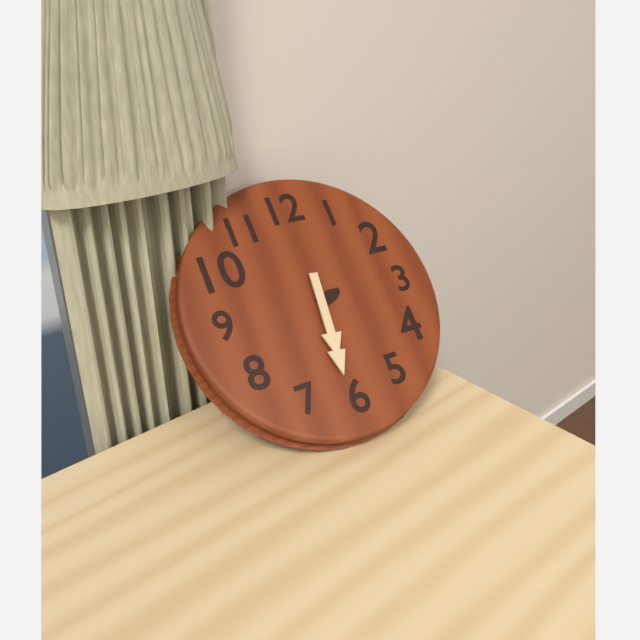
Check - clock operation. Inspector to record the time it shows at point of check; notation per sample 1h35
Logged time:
2h31
